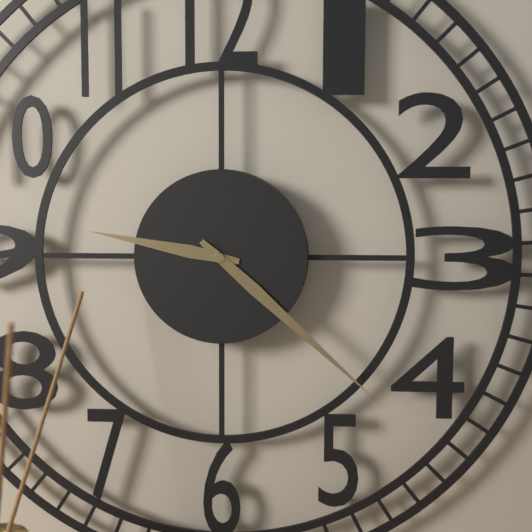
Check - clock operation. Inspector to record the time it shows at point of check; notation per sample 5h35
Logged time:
9h22
